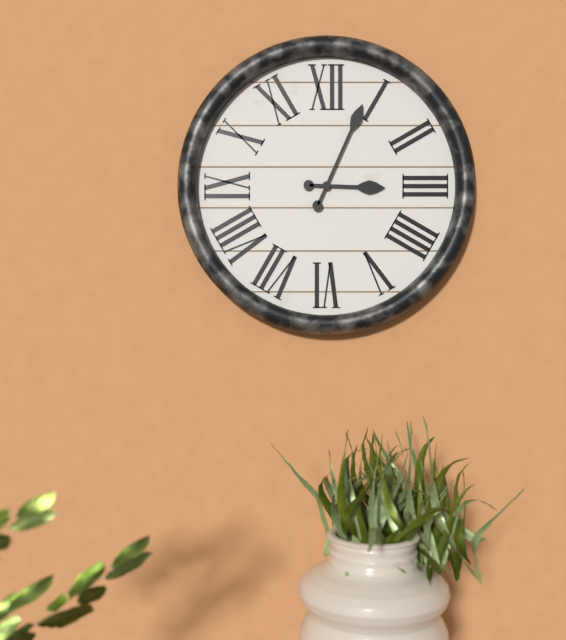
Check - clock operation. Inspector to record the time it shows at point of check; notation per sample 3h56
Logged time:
3h04
